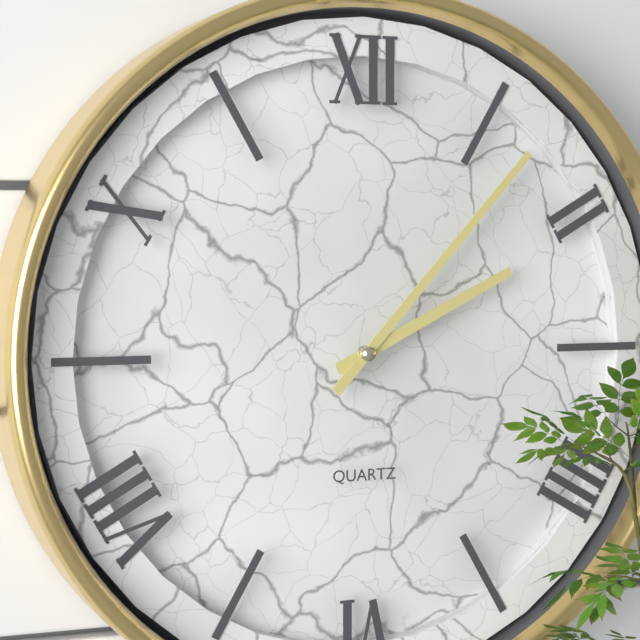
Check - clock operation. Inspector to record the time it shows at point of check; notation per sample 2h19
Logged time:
2h07
